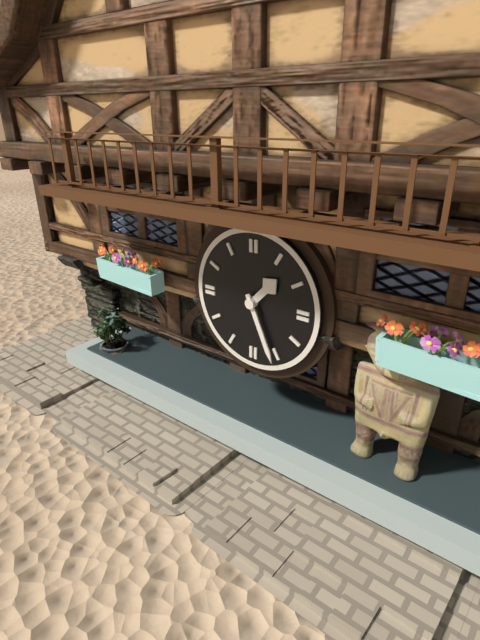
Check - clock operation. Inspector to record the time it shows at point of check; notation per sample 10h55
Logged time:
1h26
